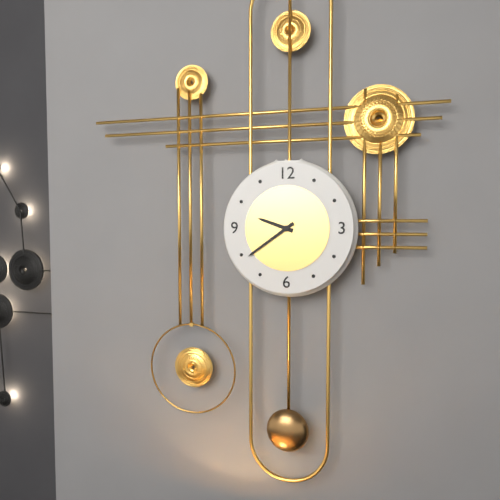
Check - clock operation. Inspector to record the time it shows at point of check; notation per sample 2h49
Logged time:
9h39
